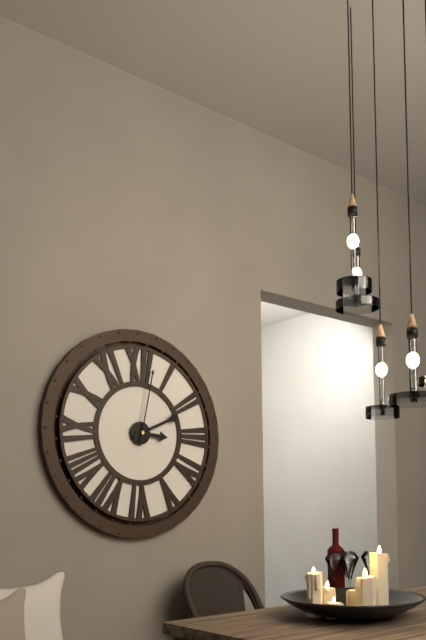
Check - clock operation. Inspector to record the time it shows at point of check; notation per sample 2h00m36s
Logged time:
3h11m02s
